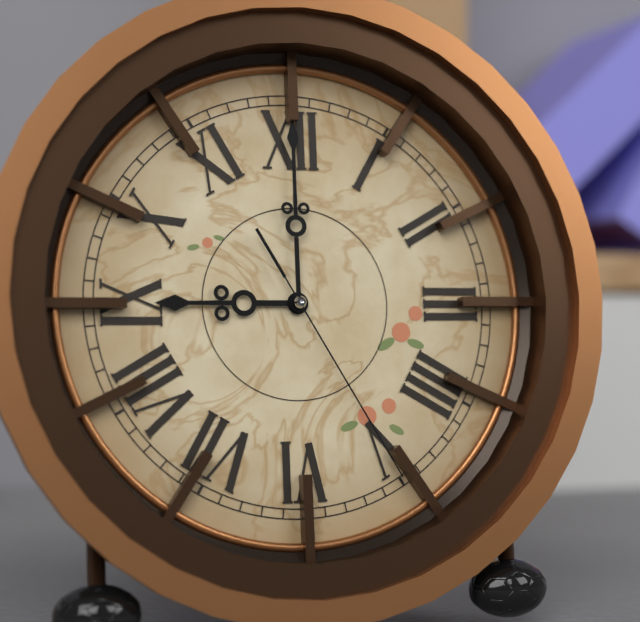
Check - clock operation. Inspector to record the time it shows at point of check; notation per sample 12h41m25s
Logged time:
9h00m25s
